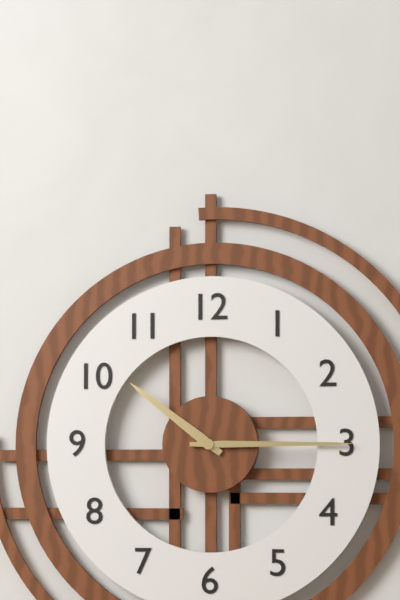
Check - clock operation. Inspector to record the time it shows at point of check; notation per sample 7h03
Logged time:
10h15
